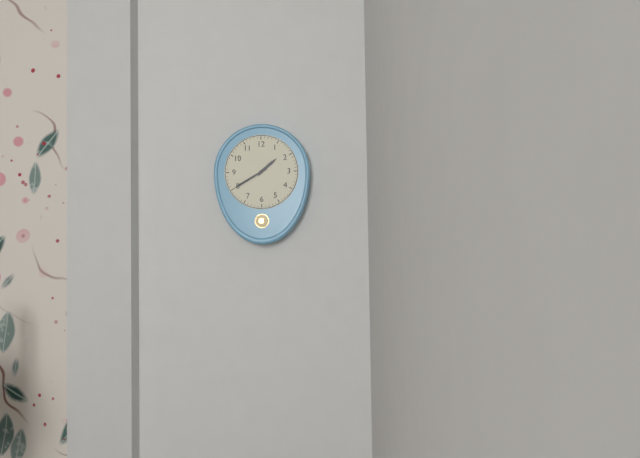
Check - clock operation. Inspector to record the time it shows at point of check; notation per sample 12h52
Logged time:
1h40
